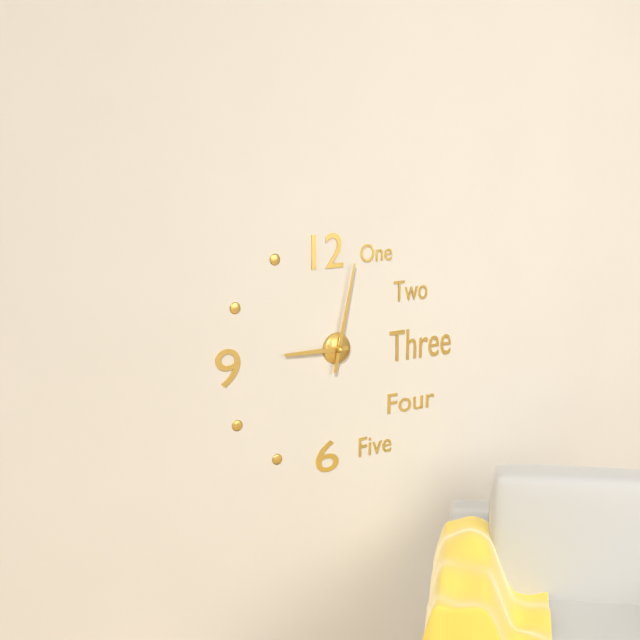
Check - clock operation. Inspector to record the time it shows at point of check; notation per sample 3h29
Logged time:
9h02
